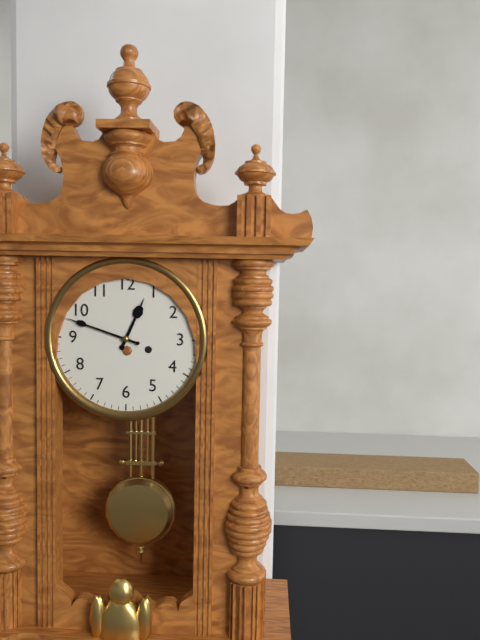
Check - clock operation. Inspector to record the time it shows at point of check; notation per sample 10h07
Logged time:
12h48
